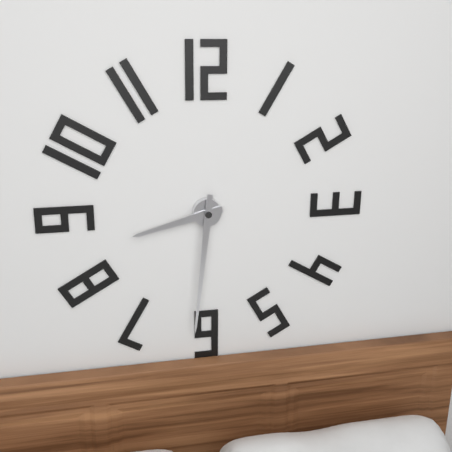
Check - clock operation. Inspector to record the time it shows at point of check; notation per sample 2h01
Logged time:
8h31
